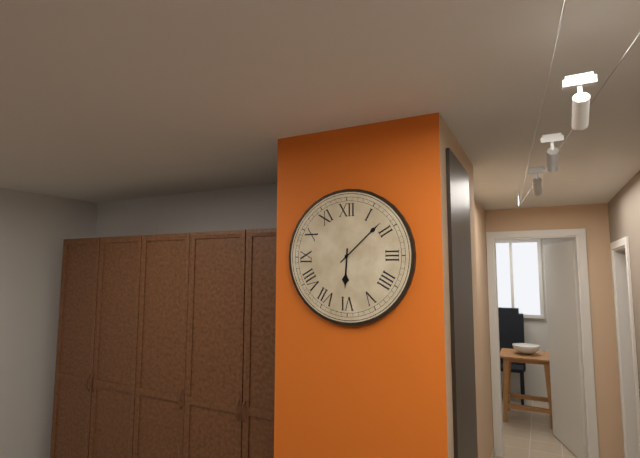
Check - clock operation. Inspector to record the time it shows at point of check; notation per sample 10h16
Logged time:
6h08
